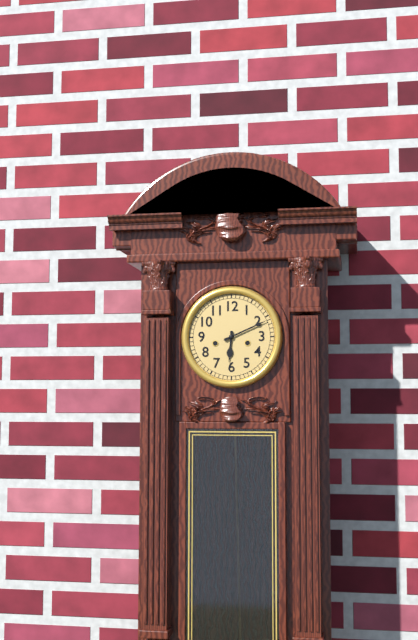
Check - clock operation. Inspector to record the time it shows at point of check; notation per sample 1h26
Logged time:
6h11
